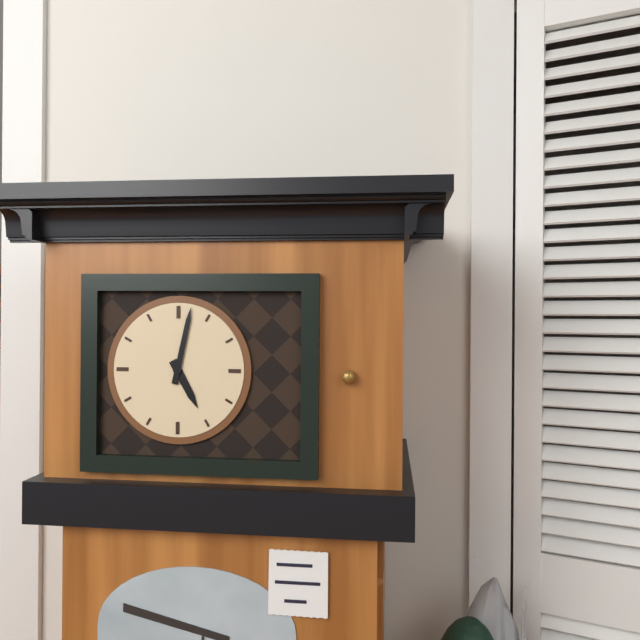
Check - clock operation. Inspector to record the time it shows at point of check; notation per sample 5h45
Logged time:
5h02
